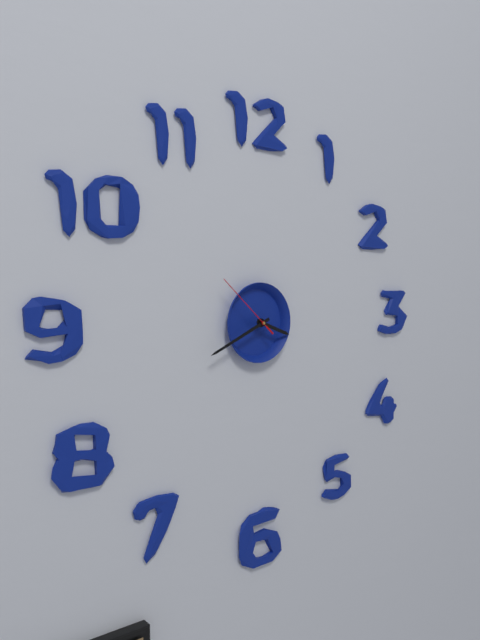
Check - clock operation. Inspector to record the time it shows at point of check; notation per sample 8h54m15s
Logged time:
3h41m52s
